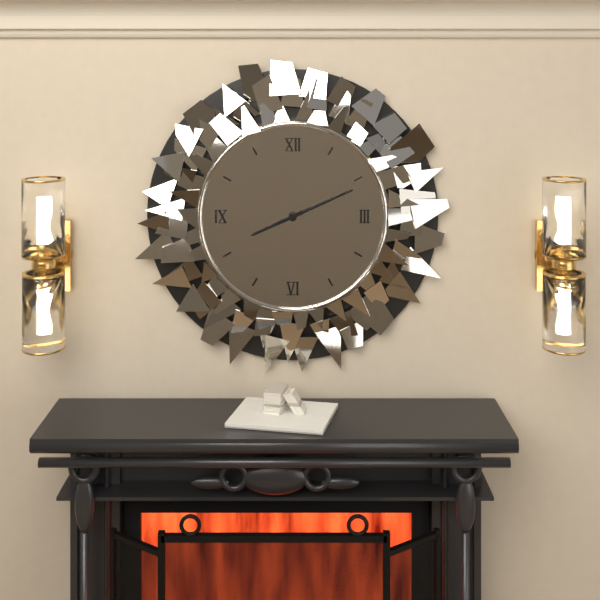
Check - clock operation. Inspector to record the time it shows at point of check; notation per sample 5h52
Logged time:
8h11
